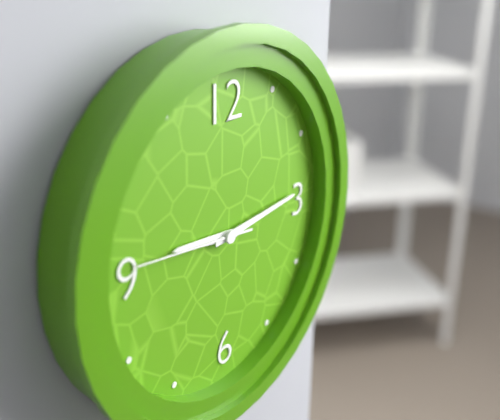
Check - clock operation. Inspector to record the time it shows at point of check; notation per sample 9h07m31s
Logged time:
9h14m46s
